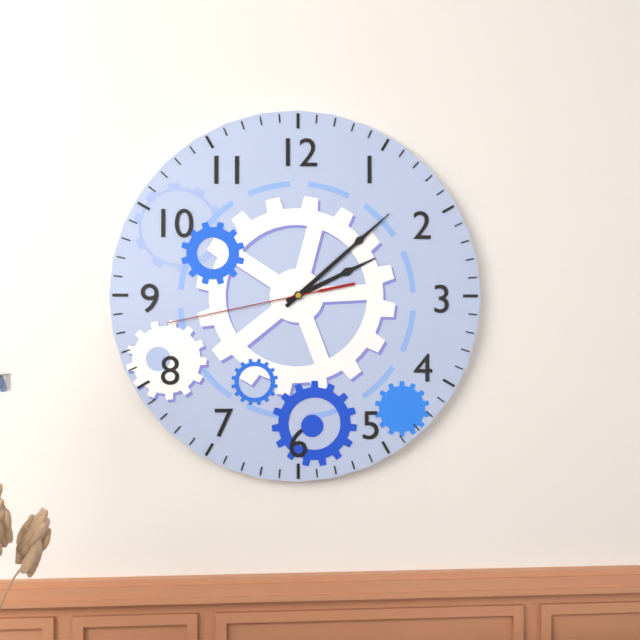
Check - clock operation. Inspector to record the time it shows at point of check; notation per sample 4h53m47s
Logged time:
2h08m43s
